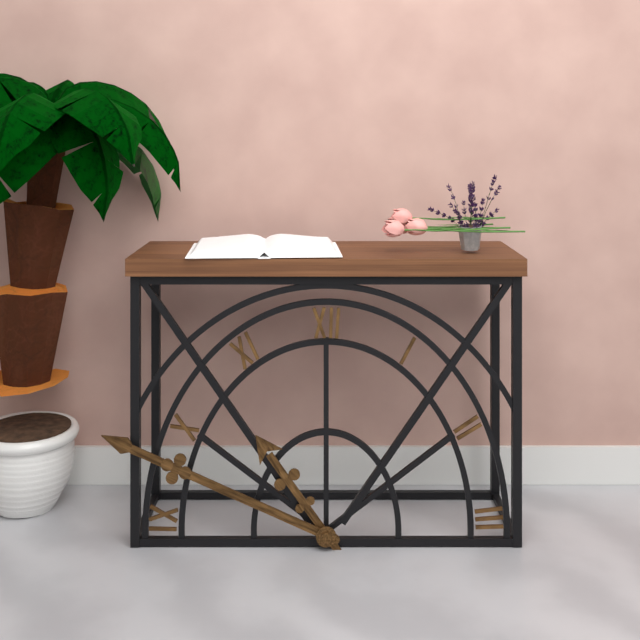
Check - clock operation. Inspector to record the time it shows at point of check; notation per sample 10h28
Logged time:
10h49
